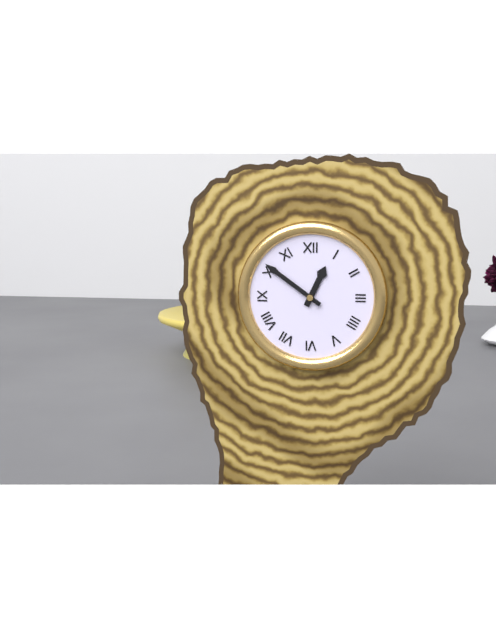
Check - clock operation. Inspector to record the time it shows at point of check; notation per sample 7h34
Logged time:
12h51
